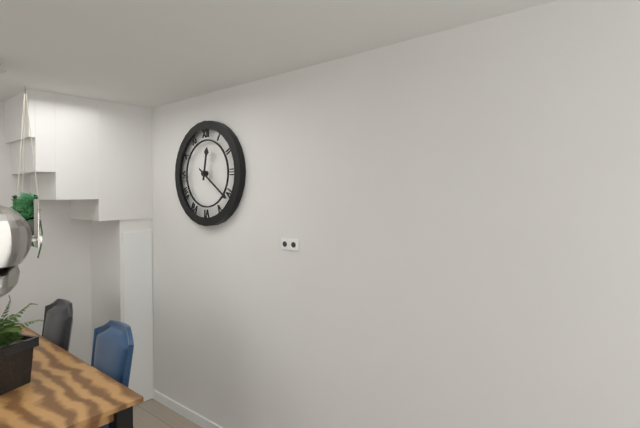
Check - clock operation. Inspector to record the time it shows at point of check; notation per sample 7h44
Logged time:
12h21
